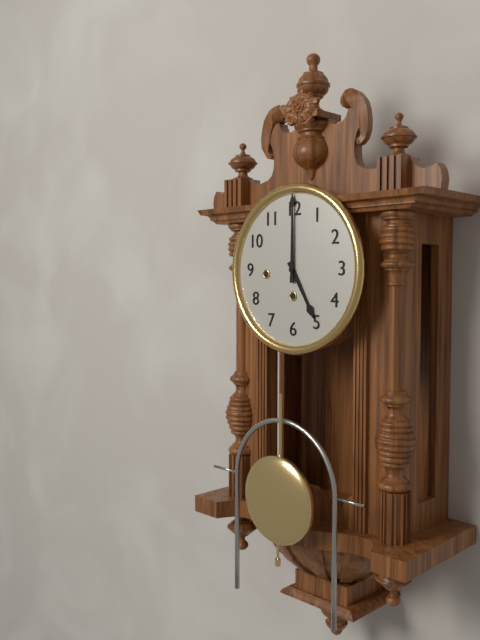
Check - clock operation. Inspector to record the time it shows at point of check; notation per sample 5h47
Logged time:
5h00
